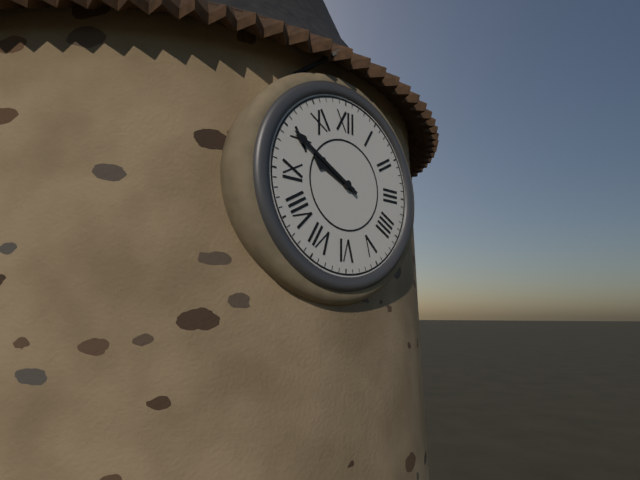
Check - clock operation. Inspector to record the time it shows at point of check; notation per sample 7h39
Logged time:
9h50
